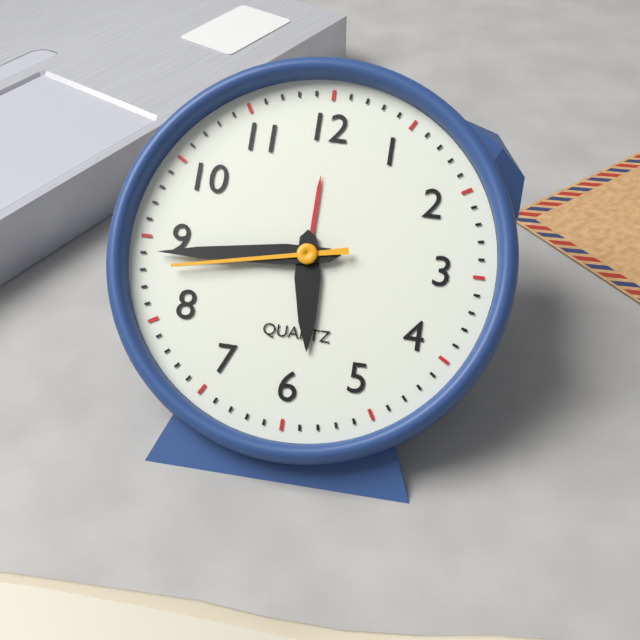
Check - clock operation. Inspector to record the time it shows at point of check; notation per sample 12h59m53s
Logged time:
5h44m43s
